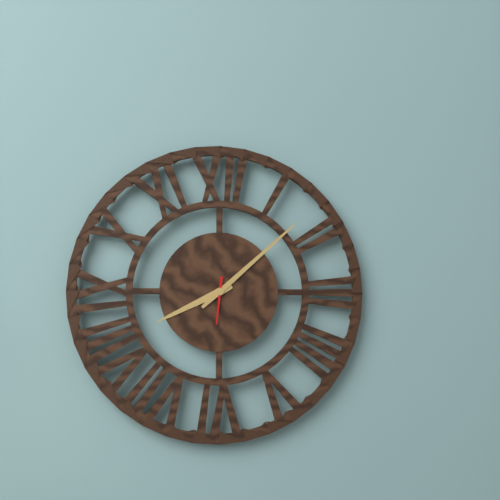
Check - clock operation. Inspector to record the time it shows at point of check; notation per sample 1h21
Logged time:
8h08
